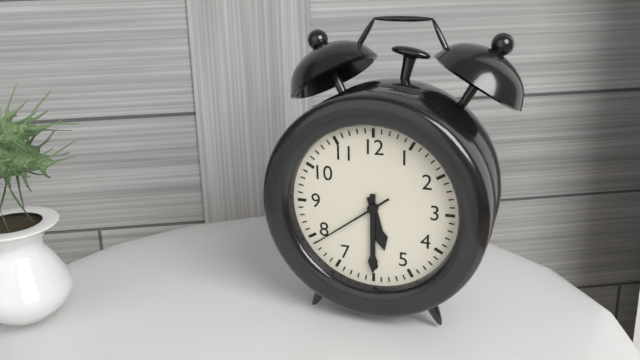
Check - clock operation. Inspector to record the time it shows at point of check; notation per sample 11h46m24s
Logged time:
5h30m39s
